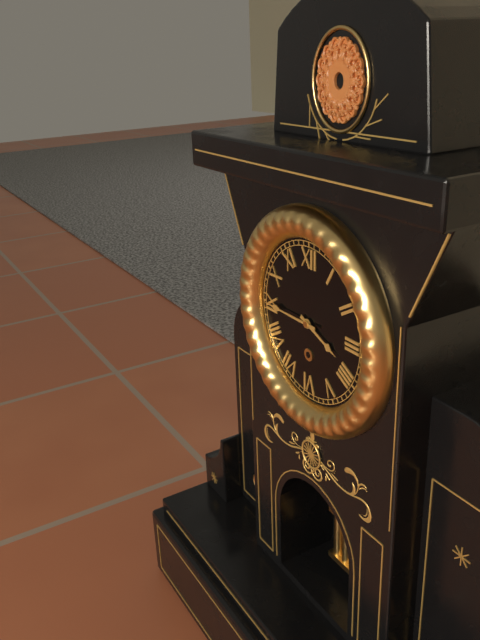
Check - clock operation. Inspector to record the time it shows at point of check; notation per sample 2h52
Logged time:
3h45
